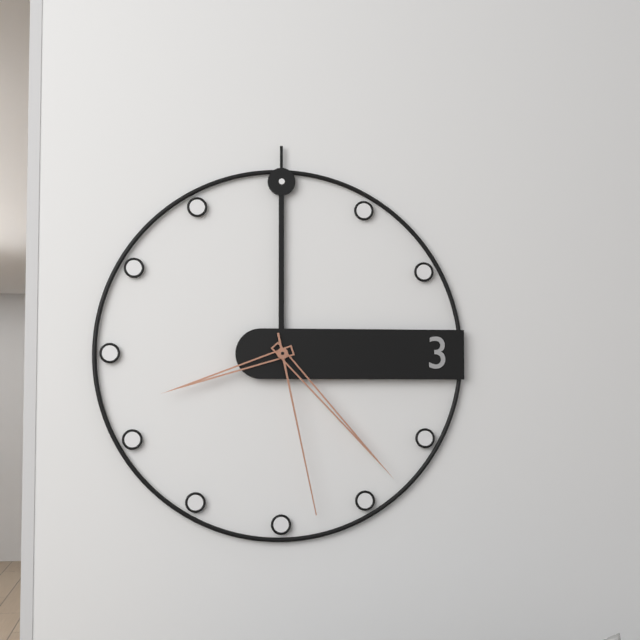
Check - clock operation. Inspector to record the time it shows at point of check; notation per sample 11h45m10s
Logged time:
8h23m28s
